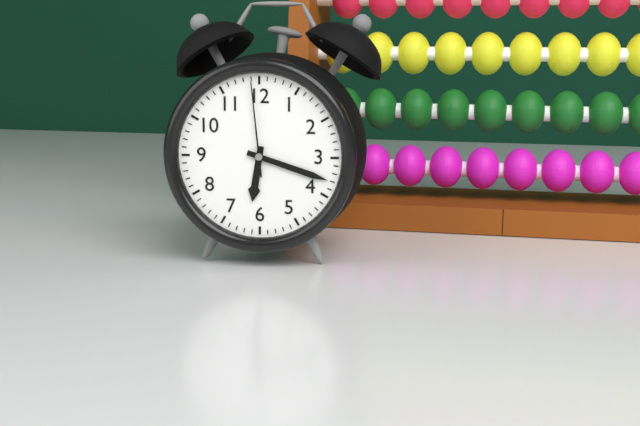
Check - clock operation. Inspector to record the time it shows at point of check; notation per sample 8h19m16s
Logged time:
6h18m59s
